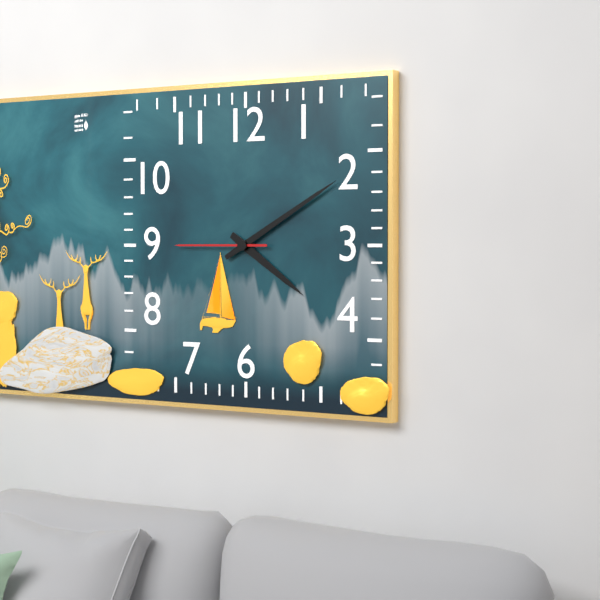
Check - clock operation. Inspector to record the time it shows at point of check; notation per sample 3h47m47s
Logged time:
4h10m45s
